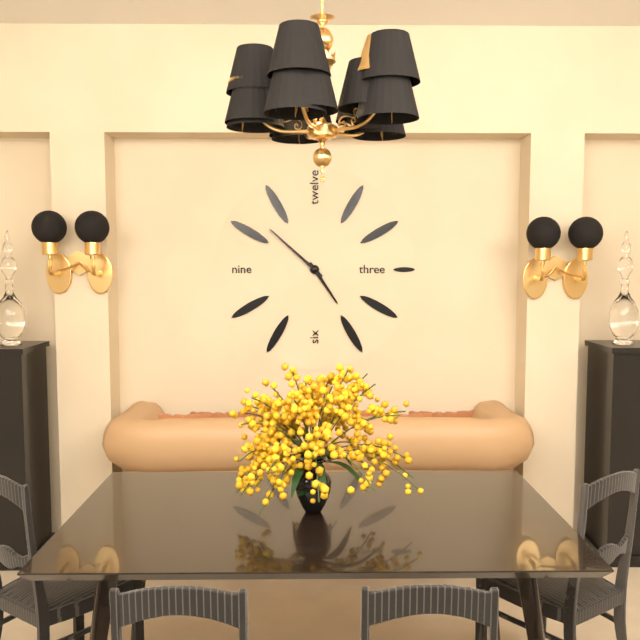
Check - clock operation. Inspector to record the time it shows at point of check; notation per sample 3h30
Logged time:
4h52
